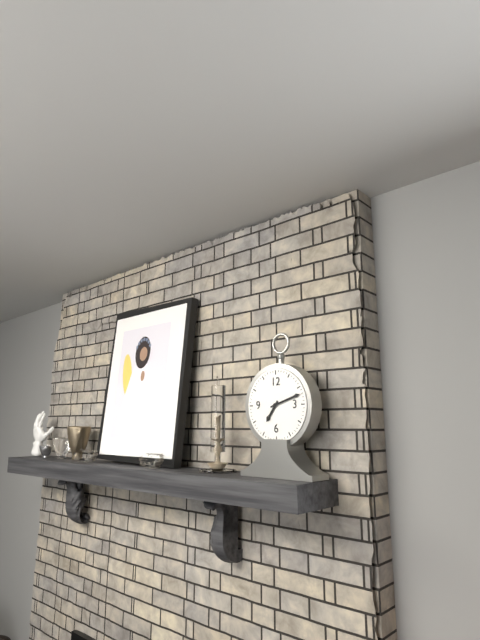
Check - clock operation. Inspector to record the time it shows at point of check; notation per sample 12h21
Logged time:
7h12
